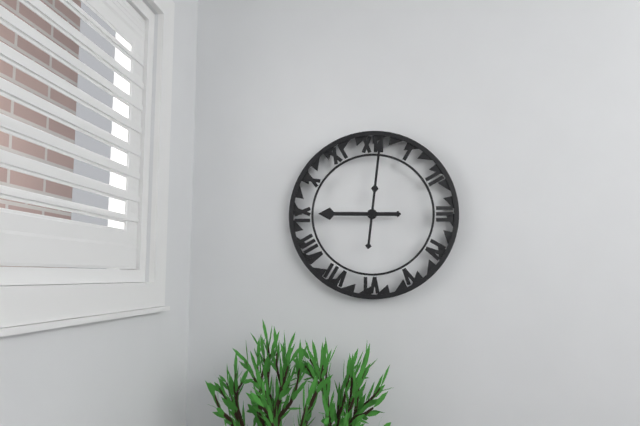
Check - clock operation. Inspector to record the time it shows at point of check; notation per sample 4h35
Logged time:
9h01
